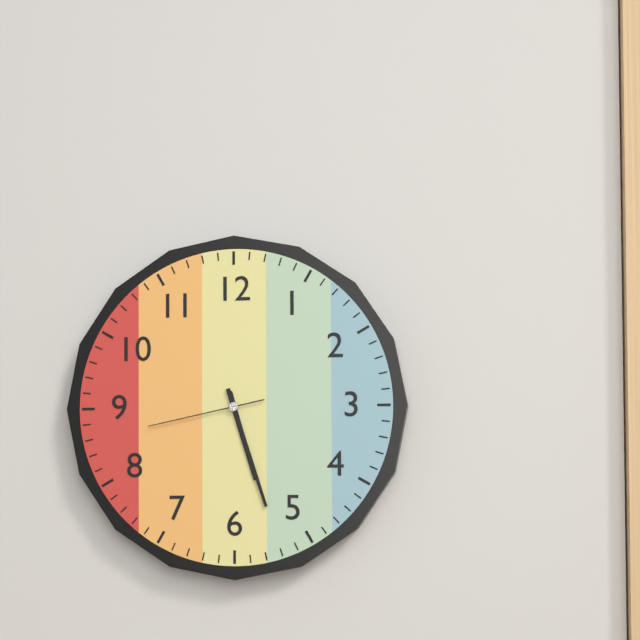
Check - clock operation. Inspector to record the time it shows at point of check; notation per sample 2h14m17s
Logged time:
5h27m43s
